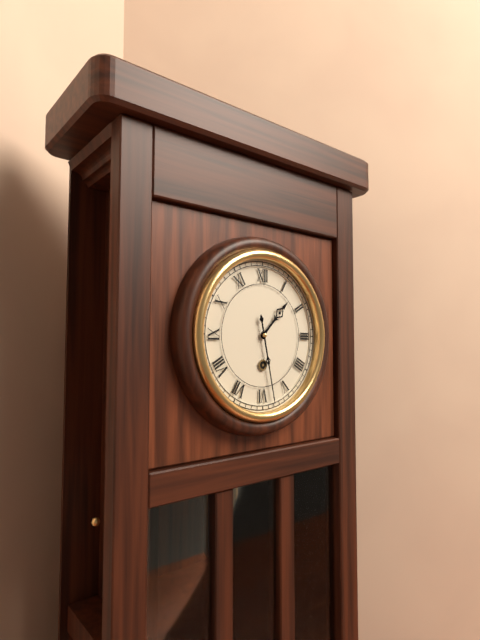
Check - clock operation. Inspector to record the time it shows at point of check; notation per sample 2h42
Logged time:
1h28
